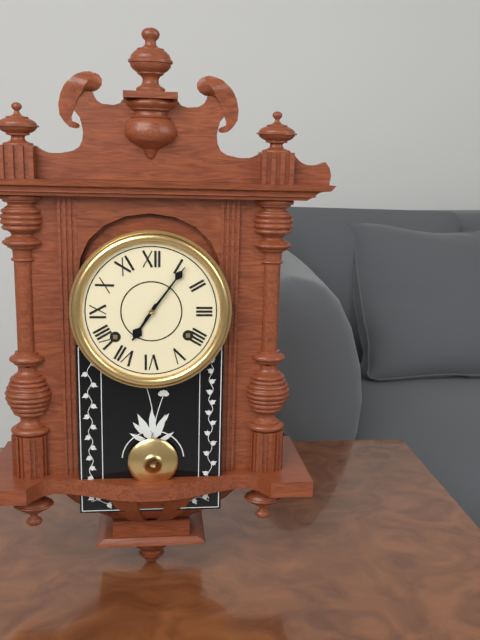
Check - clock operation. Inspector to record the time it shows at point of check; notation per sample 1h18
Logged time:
7h06
